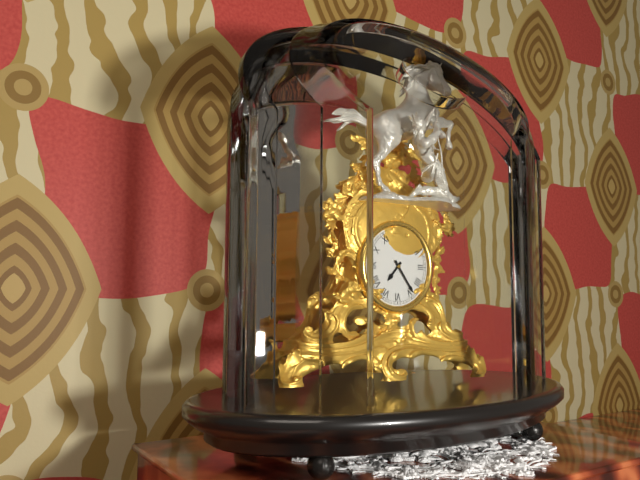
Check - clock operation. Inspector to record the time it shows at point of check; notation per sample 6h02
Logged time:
7h24
